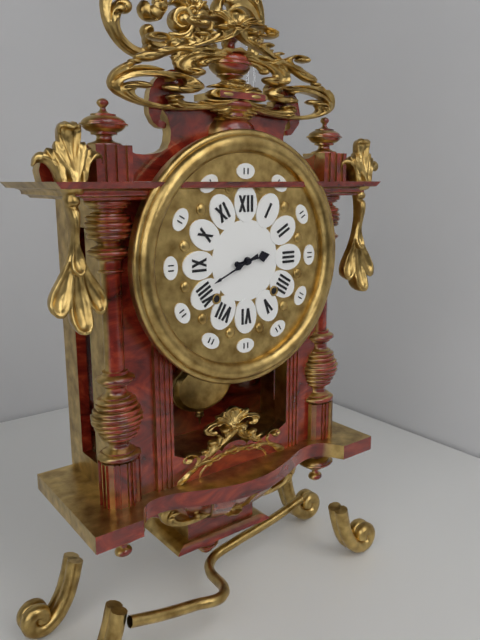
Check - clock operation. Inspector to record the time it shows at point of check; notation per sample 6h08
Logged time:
2h41
